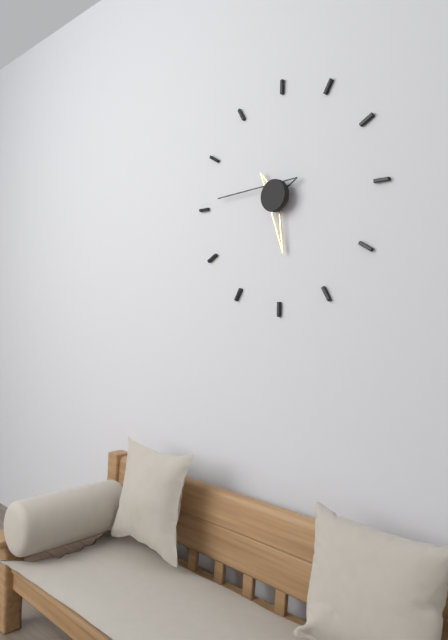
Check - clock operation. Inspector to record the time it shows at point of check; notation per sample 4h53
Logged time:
5h46
